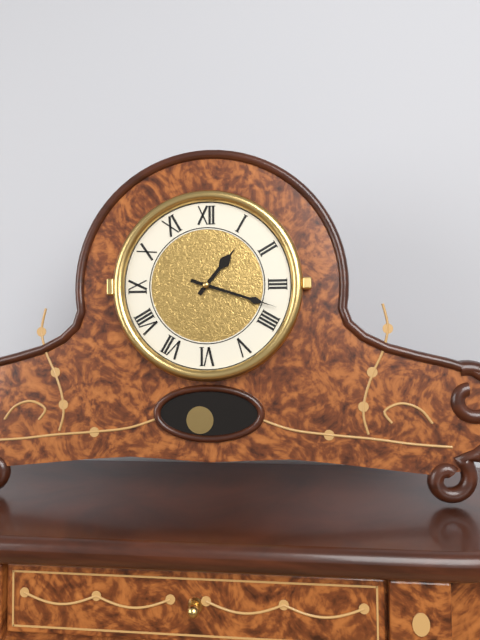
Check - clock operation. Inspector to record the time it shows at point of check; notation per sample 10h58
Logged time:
1h18
